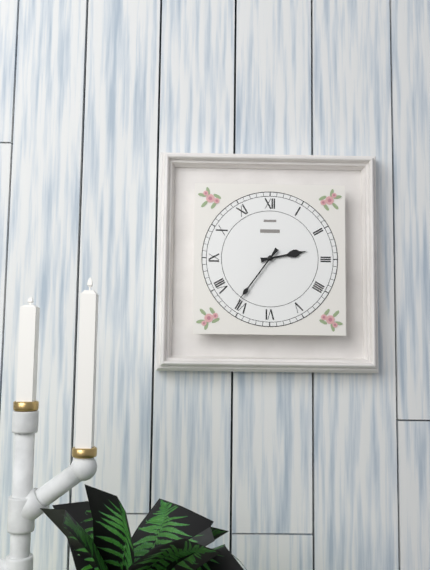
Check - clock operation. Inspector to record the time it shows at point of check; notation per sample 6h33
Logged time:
2h36
